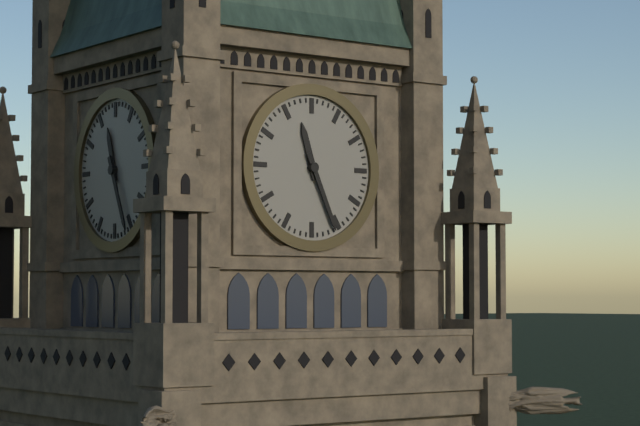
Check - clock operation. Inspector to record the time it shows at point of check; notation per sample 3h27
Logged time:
11h26
